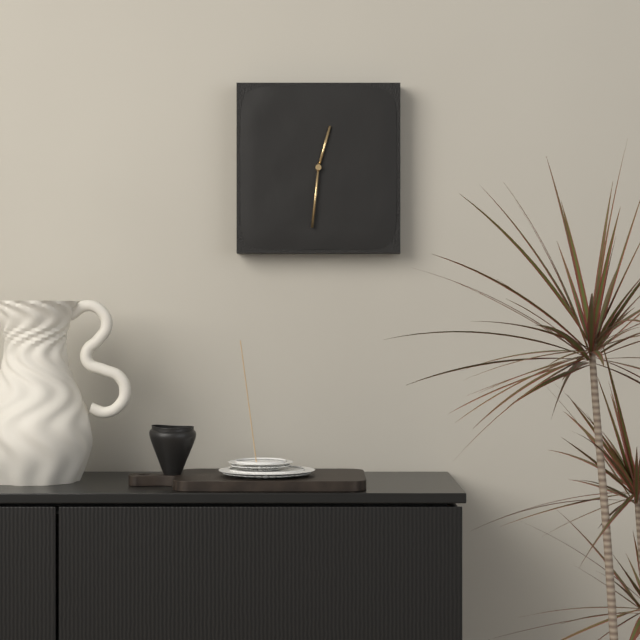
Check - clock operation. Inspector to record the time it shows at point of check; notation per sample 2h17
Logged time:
12h31
